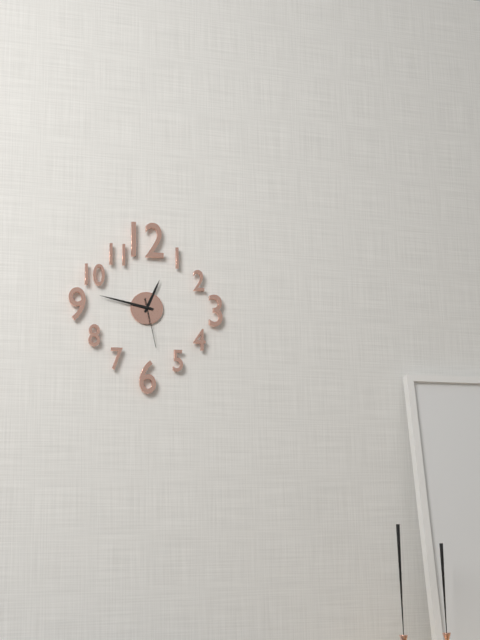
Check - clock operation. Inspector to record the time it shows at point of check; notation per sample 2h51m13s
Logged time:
12h47m28s
